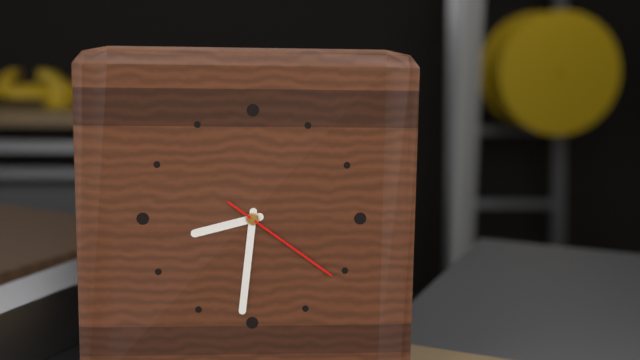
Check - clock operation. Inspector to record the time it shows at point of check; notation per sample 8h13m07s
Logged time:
8h31m21s
